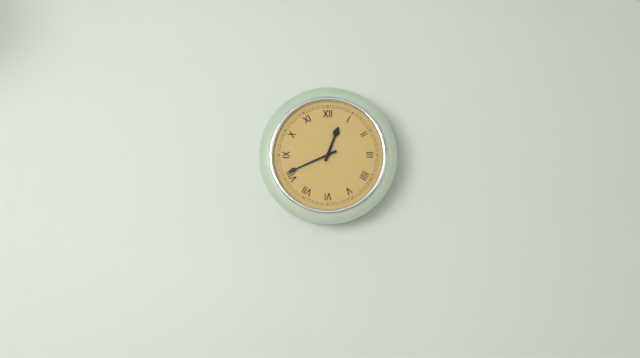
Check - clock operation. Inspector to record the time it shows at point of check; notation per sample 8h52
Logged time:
12h41
